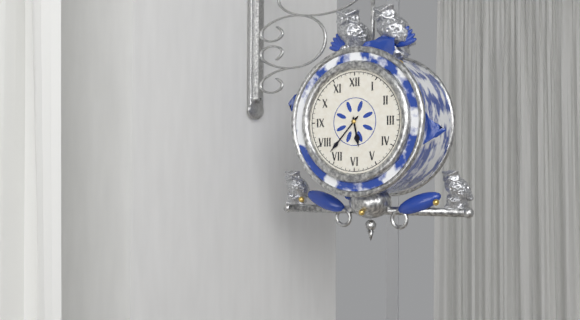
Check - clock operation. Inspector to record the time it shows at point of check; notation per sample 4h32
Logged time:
5h37
